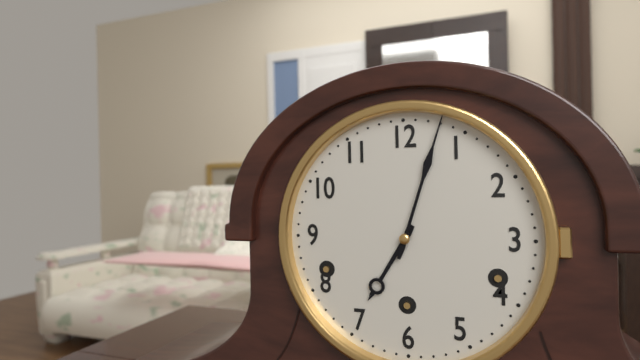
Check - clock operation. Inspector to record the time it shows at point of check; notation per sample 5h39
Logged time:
7h03
